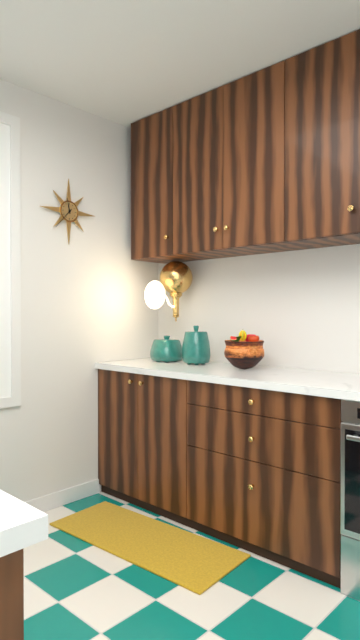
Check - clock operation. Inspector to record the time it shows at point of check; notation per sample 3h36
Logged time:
11h37
